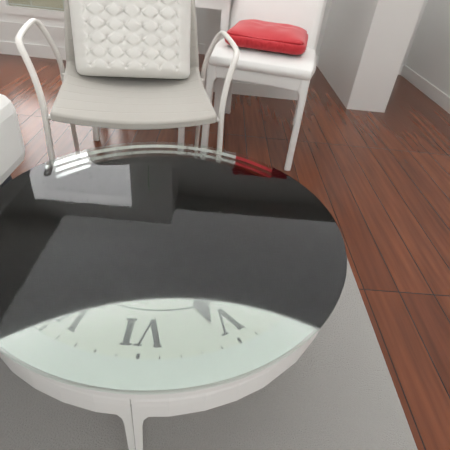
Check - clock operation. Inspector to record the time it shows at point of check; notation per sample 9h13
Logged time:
9h26
